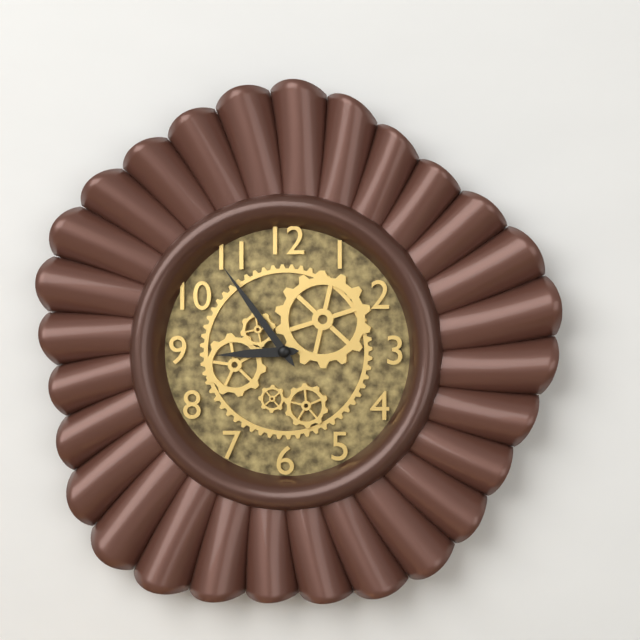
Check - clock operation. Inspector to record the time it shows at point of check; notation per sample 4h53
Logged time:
8h54
